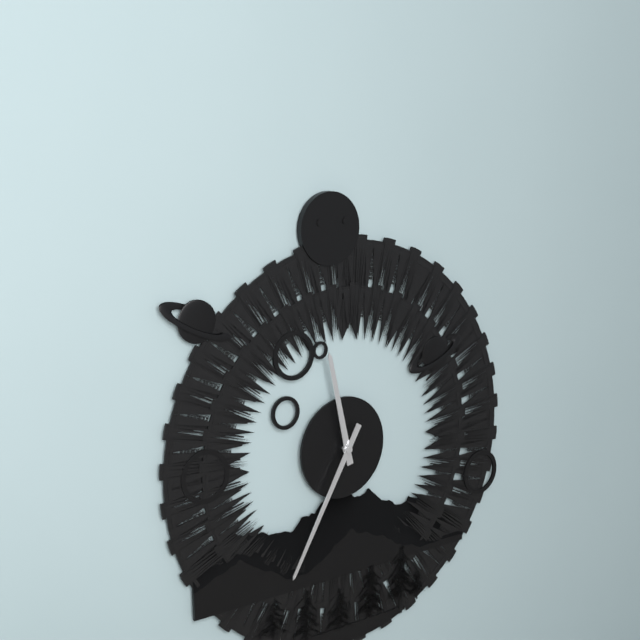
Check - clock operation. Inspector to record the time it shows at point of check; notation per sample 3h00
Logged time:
11h35
